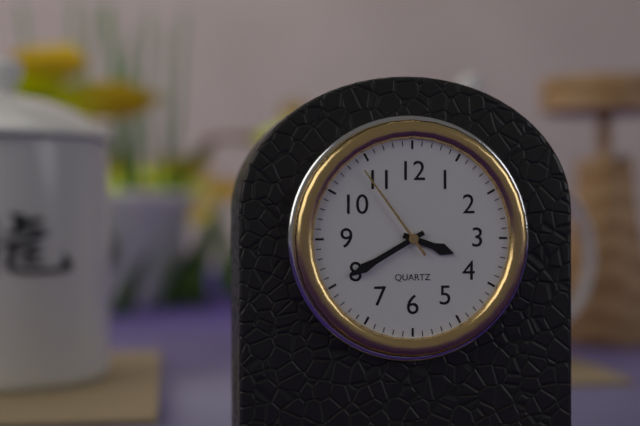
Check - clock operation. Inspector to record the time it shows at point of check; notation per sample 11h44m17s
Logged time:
3h40m54s
